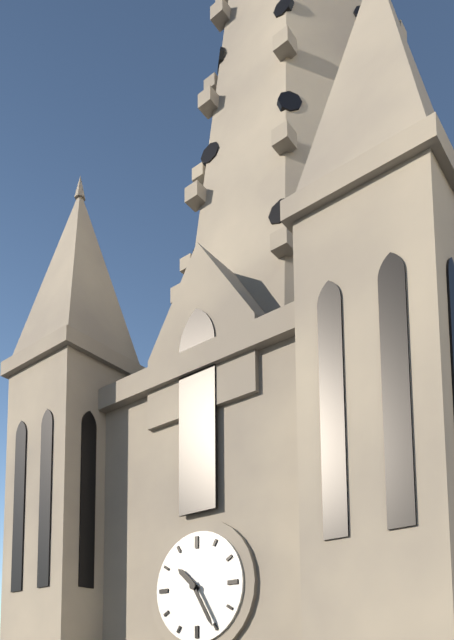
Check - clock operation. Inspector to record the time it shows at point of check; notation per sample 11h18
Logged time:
10h25
